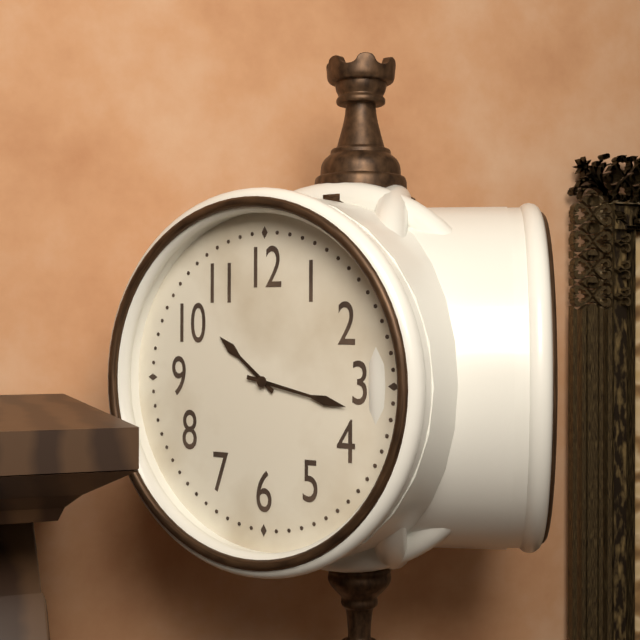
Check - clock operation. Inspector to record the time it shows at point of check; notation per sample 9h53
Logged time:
10h17
